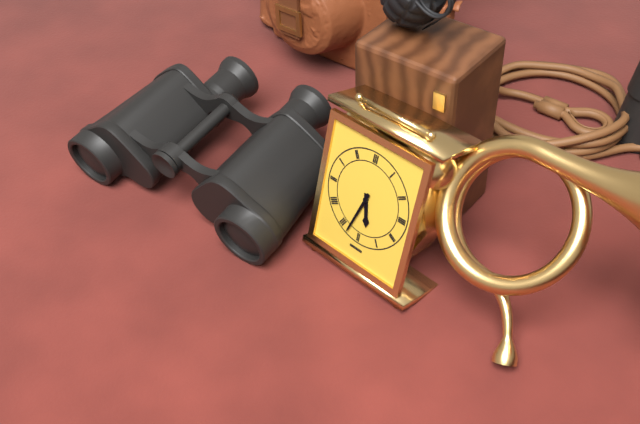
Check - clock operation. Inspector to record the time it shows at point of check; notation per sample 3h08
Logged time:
5h33
